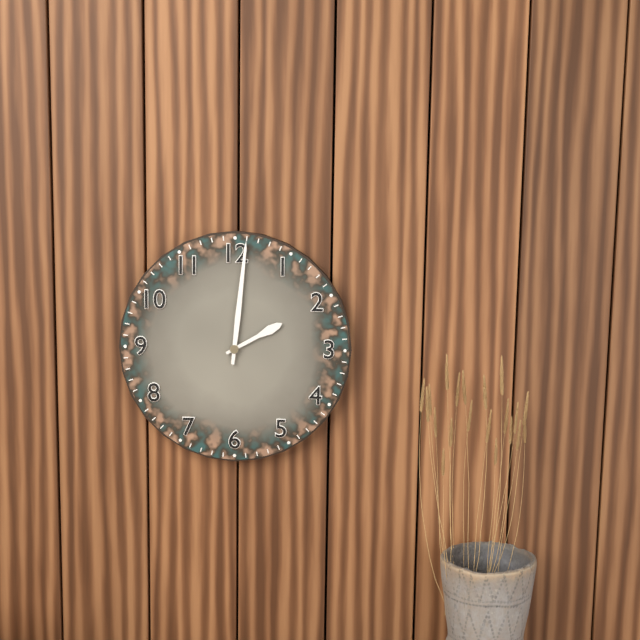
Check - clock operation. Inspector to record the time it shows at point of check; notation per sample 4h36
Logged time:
2h01
